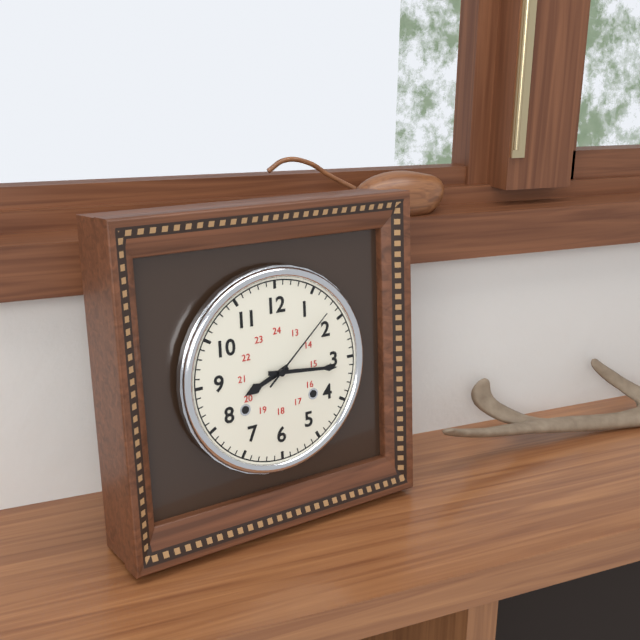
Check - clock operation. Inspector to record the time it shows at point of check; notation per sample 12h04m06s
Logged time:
8h16m08s
